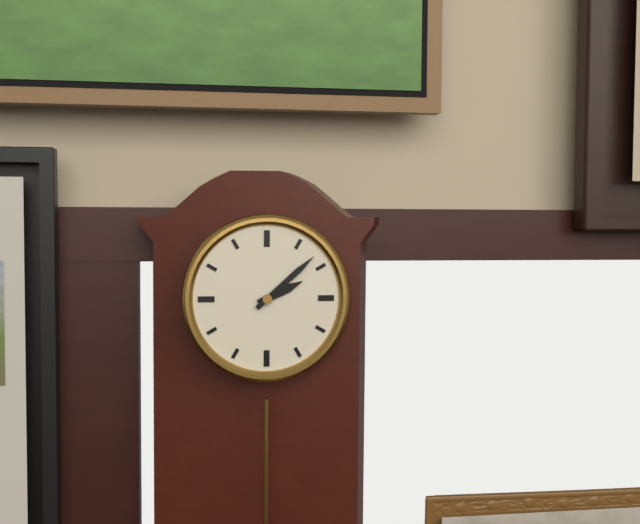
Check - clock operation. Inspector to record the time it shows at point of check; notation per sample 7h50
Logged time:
2h08
